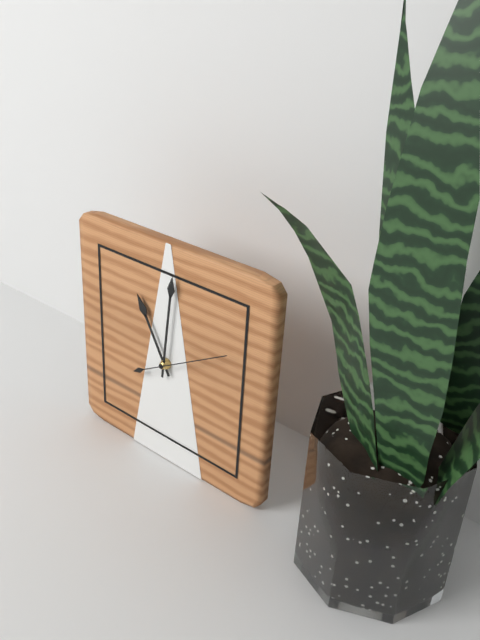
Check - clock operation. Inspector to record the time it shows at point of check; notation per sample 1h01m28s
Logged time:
11h01m10s
